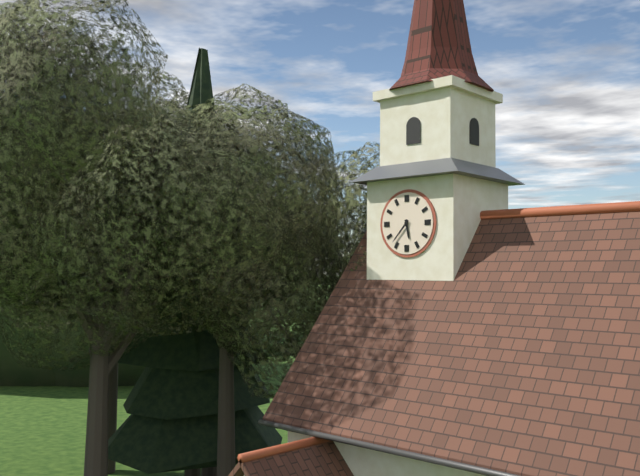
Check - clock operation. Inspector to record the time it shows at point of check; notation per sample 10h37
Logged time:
5h37
